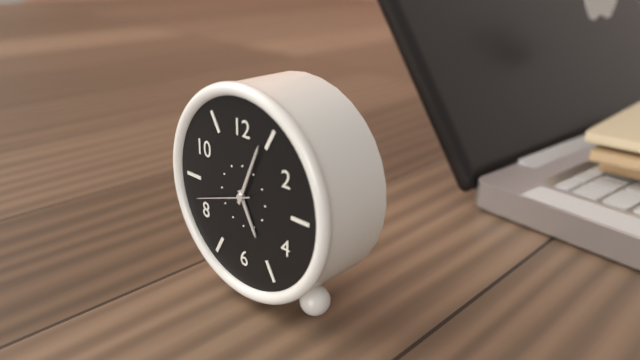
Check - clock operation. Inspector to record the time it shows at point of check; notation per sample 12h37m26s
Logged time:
5h04m42s
